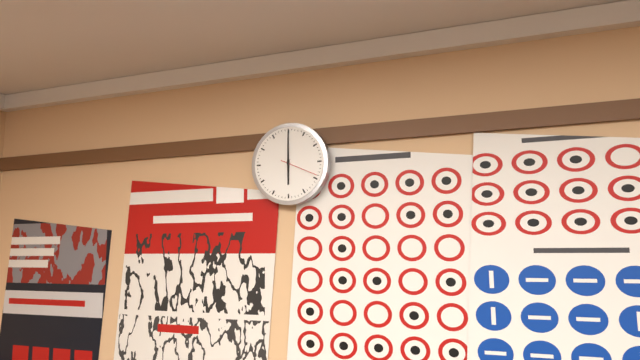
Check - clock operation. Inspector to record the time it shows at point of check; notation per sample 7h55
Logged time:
6h00
